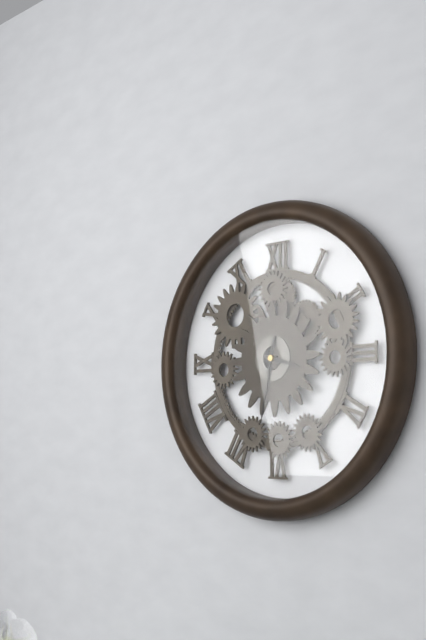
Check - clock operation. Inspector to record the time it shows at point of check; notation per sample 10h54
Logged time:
3h32
